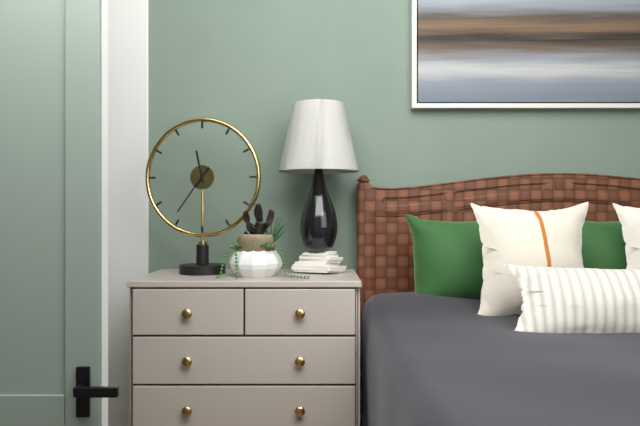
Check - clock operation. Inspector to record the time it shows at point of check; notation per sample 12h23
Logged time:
11h36
